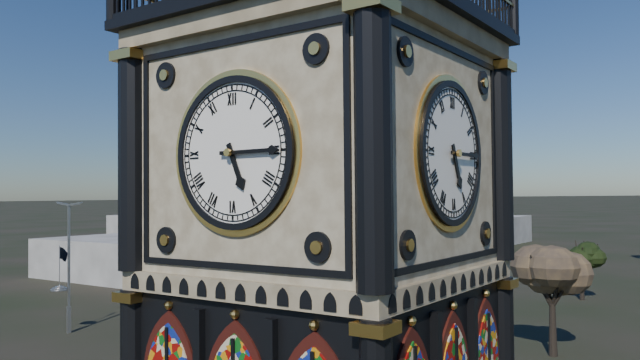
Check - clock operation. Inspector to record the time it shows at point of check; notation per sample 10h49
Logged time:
5h15
